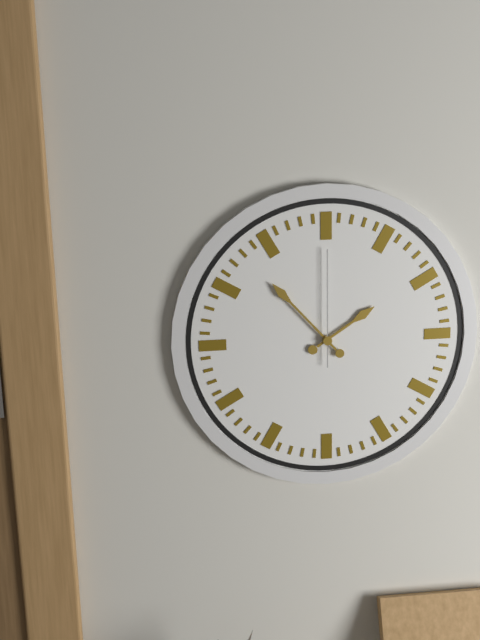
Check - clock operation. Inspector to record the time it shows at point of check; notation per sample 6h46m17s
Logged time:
1h53m00s
